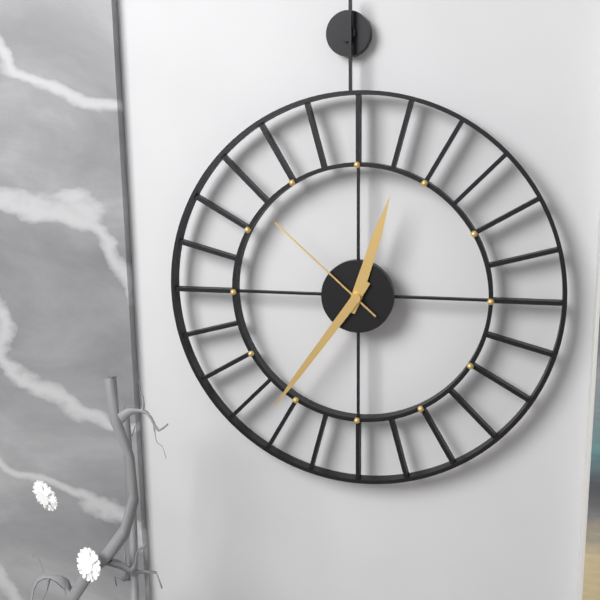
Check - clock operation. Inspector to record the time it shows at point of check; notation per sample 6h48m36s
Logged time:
12h36m52s
